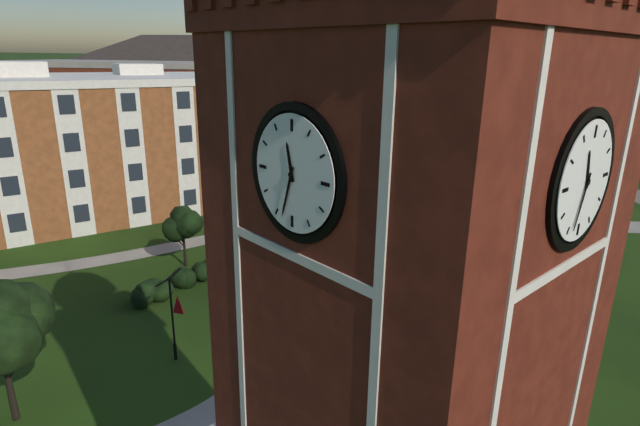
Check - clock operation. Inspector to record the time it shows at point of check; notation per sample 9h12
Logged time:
11h33
